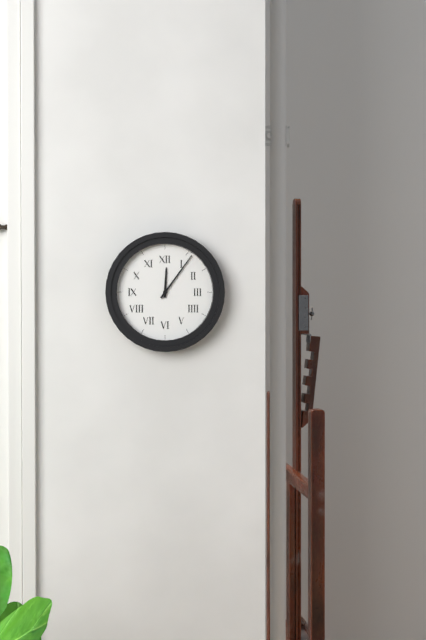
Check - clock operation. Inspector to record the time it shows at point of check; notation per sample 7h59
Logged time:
12h06
